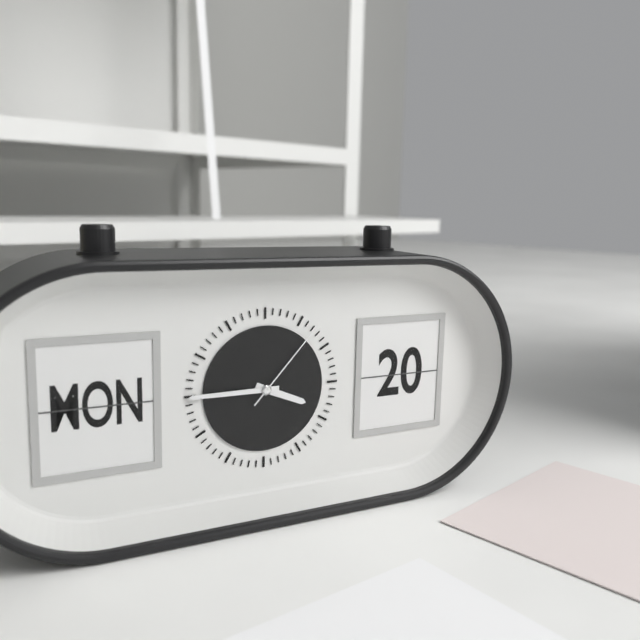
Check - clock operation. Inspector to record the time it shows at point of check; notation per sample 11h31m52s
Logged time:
3h45m07s
